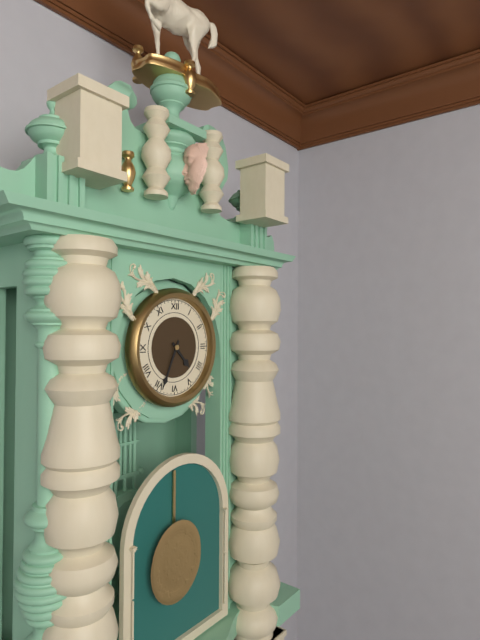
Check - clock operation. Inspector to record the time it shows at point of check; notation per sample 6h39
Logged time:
4h34
